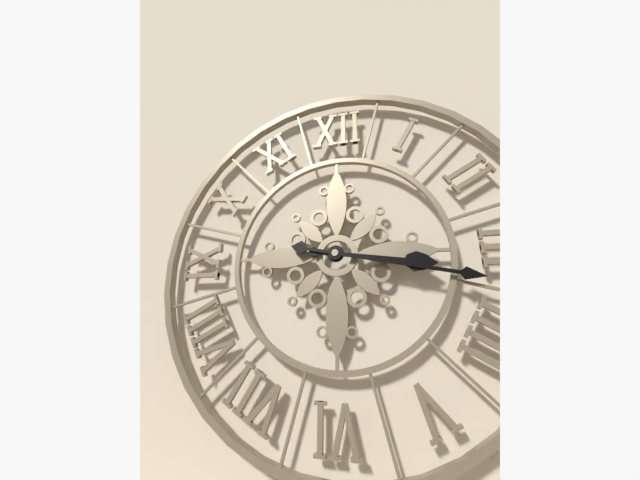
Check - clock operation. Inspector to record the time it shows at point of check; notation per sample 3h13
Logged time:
3h17
